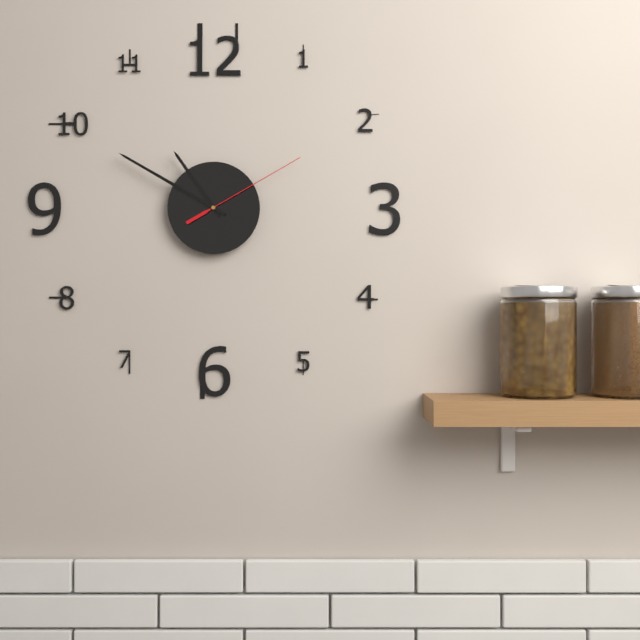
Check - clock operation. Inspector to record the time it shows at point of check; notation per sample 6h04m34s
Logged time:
10h50m10s
